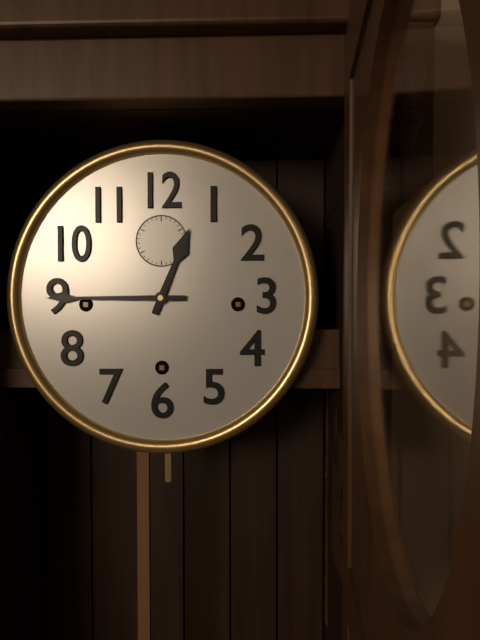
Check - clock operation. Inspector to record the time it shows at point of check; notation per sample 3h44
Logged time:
12h45
